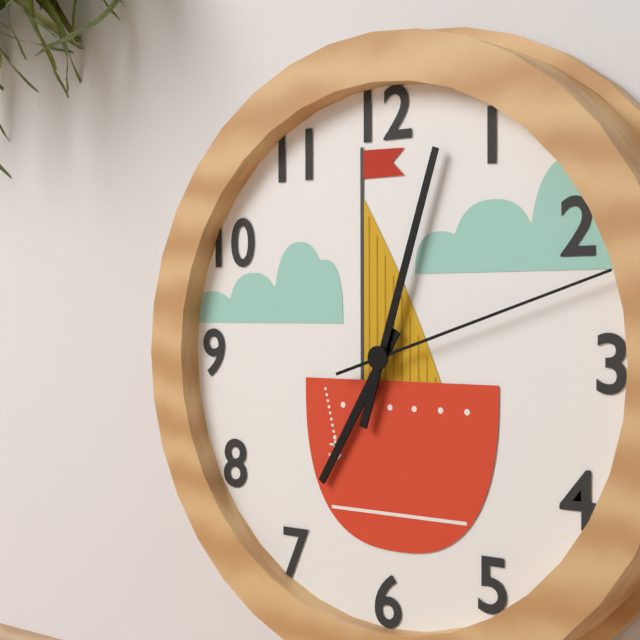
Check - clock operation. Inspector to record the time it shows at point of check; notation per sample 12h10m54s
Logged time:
7h03m12s
